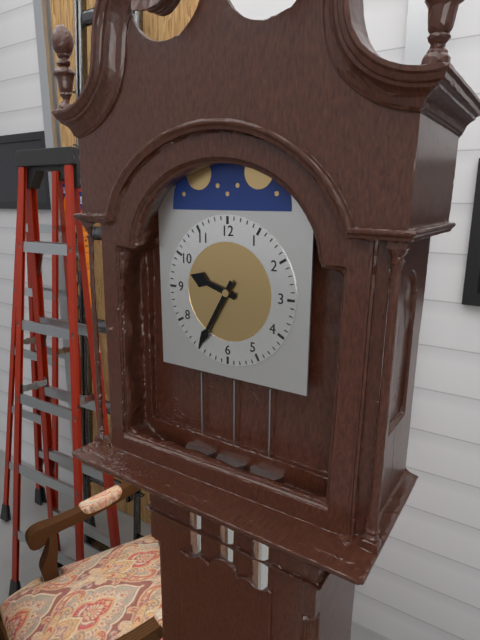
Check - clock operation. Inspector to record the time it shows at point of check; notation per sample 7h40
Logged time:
9h35
